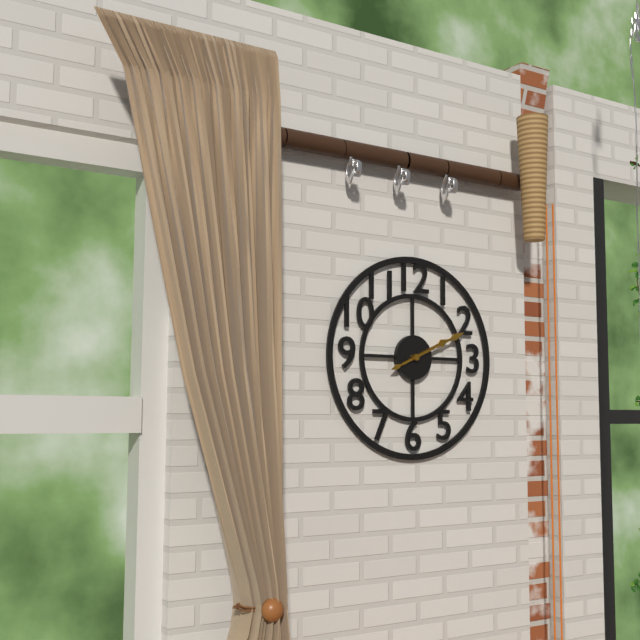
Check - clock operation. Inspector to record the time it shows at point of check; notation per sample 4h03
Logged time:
2h11
